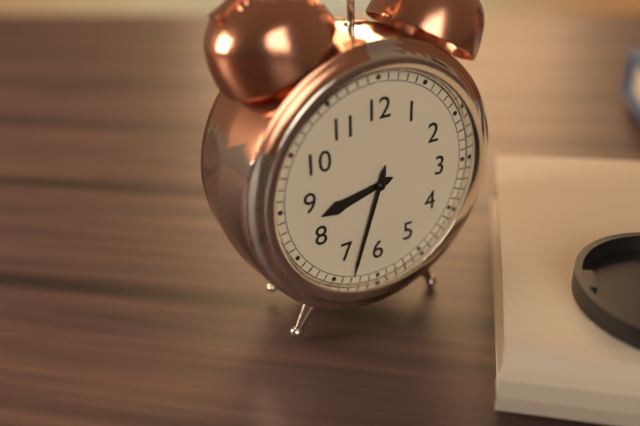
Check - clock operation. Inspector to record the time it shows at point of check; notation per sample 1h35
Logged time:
8h33
